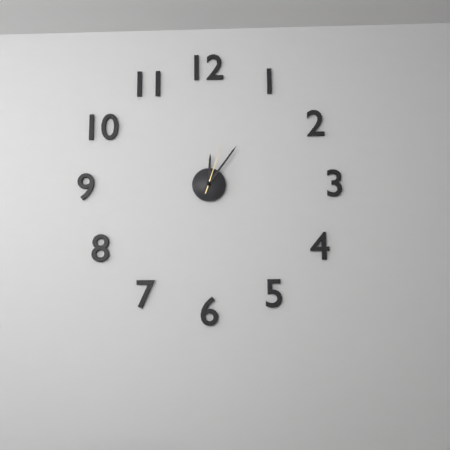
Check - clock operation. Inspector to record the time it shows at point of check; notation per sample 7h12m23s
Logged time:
12h06m03s
